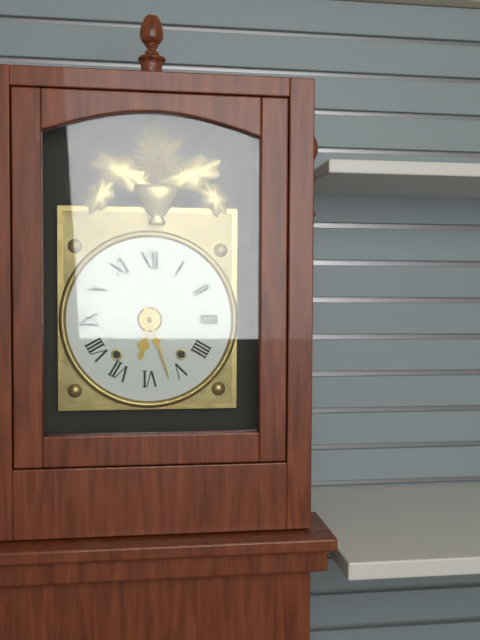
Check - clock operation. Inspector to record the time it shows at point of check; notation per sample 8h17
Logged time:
6h27
